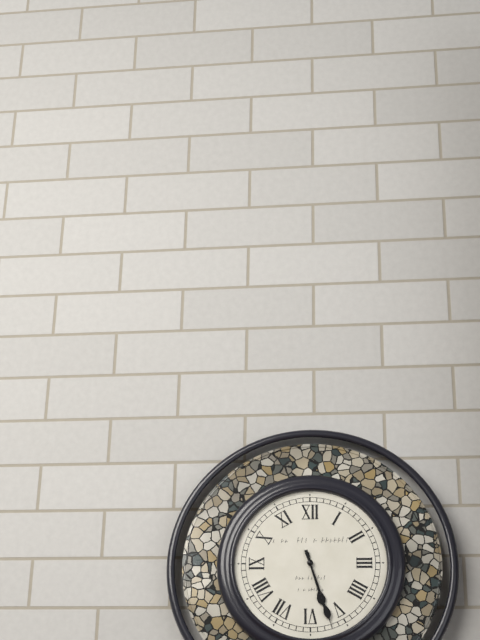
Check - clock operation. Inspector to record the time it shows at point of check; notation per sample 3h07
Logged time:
5h27
